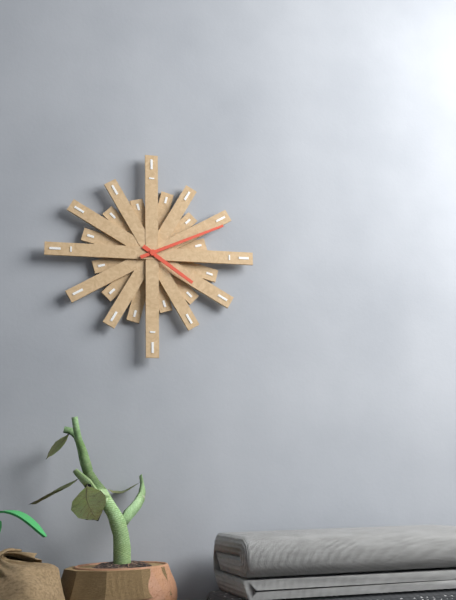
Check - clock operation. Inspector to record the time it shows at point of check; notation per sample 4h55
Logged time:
4h11
